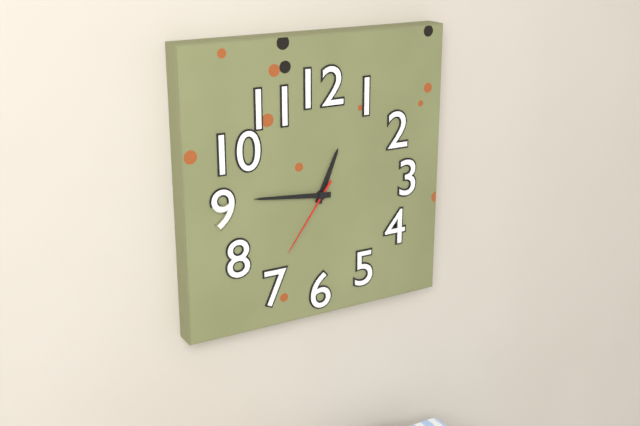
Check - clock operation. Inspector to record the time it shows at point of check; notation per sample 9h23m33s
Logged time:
12h46m36s
